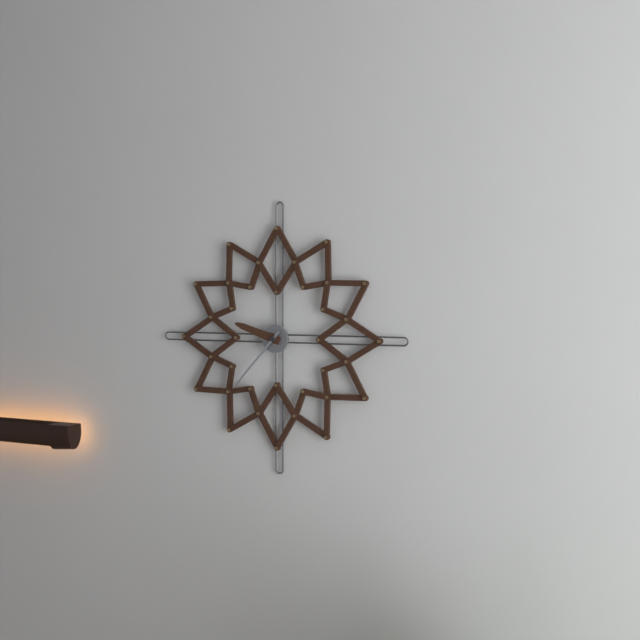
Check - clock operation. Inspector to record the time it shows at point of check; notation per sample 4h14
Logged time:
9h37
